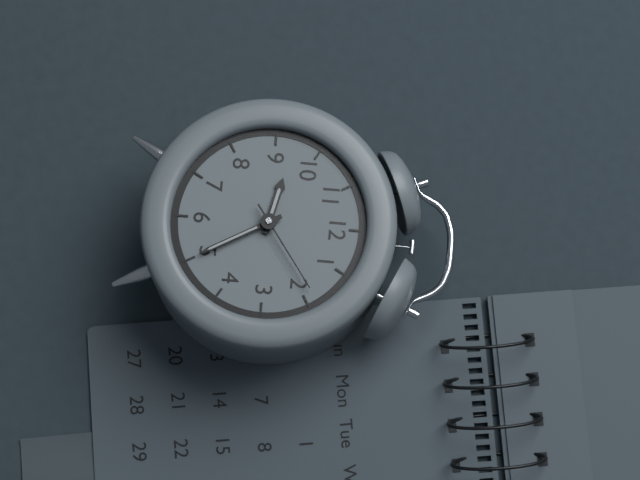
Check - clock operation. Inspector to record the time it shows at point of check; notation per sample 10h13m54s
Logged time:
9h25m09s
